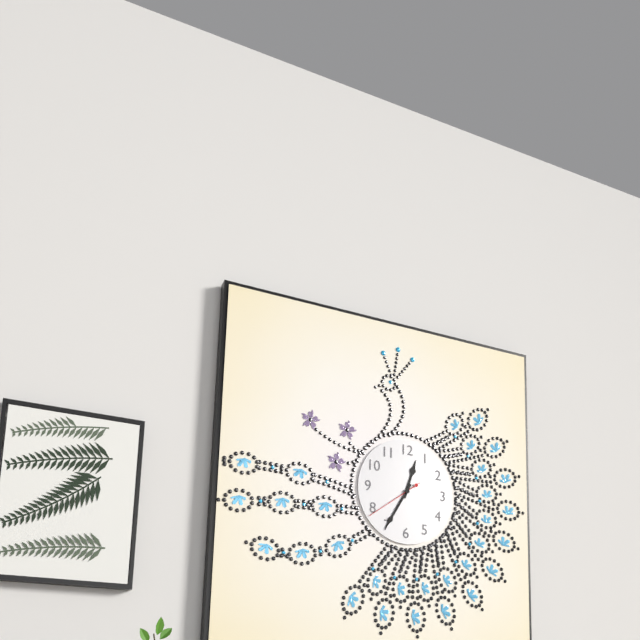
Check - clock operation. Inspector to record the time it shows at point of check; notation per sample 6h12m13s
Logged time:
12h35m39s
